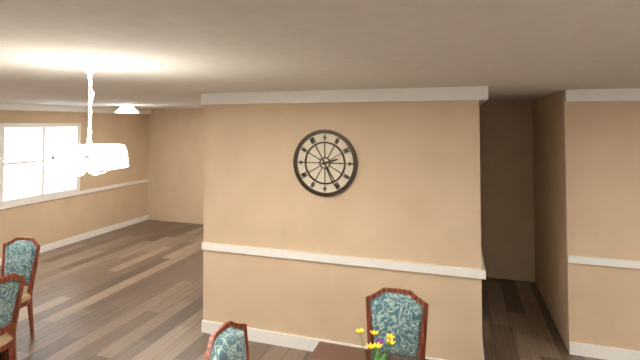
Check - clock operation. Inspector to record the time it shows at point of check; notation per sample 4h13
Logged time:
2h26
